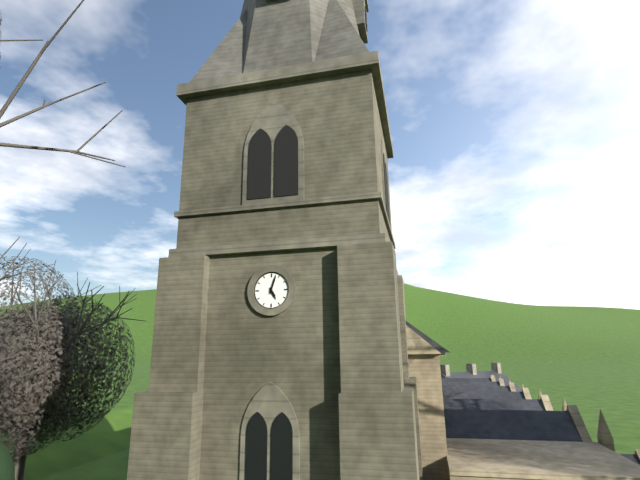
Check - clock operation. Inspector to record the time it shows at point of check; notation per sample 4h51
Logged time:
5h03
